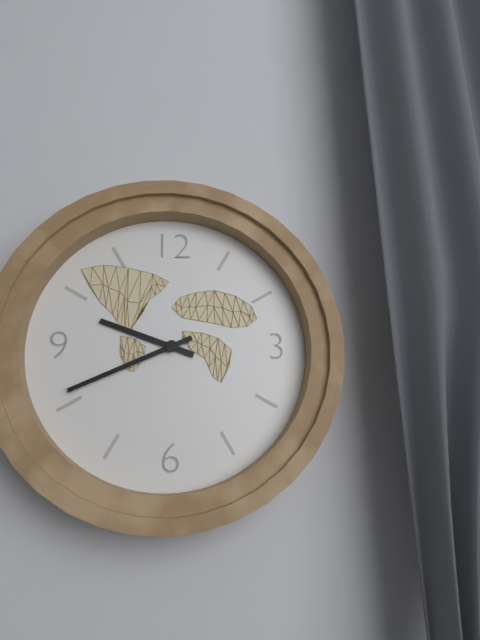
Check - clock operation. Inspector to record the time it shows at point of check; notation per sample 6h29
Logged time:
9h41
